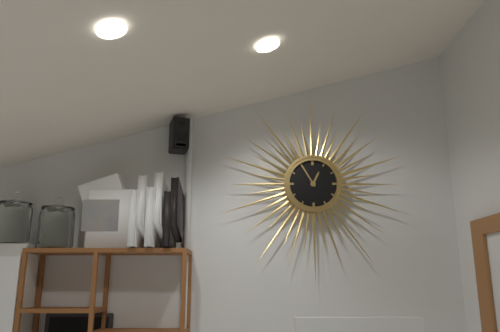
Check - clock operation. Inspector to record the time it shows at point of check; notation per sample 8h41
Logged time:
12h55
